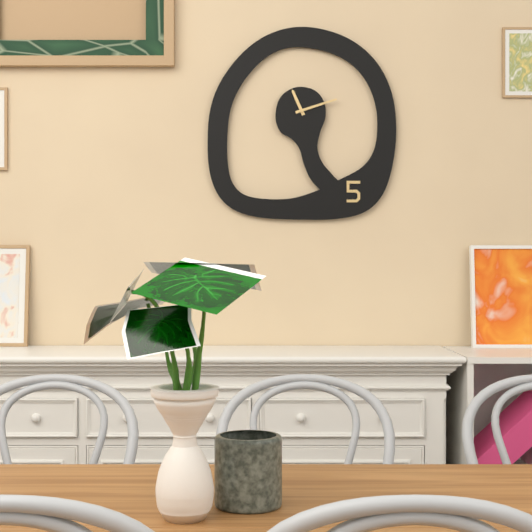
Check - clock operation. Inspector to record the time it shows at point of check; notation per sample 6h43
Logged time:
11h12
